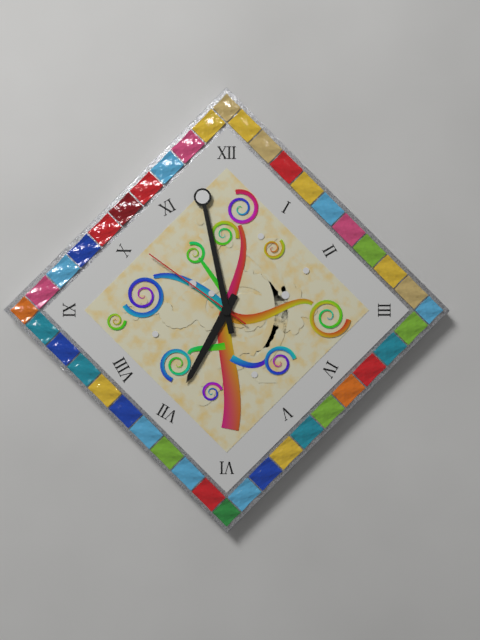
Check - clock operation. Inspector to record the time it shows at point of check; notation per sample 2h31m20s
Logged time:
6h58m51s
